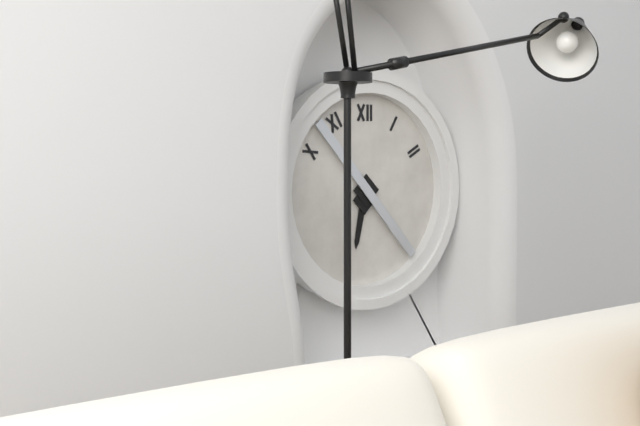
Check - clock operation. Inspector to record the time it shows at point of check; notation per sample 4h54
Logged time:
6h23
